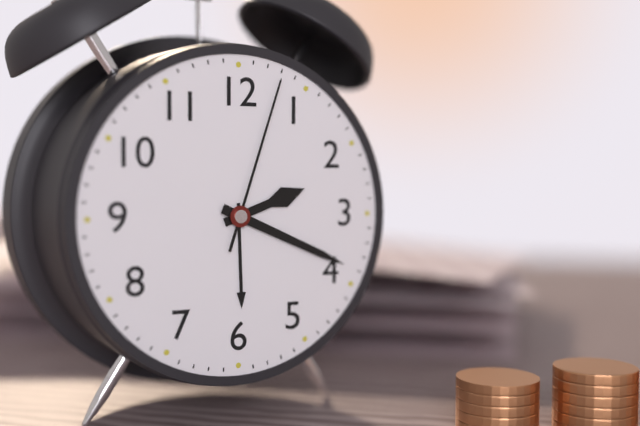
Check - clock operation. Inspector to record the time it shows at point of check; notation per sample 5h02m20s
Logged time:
2h19m03s
